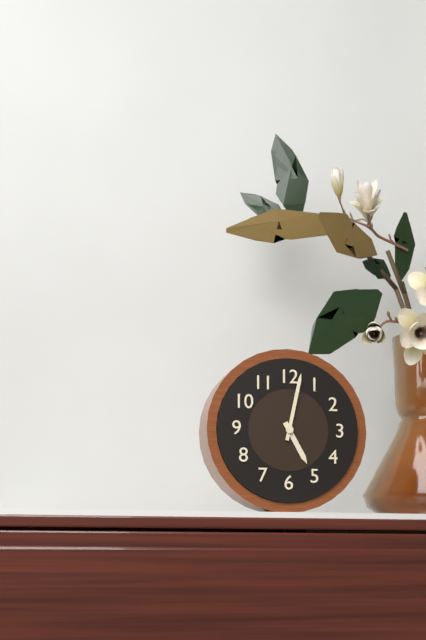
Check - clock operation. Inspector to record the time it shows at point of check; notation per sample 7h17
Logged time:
5h02
